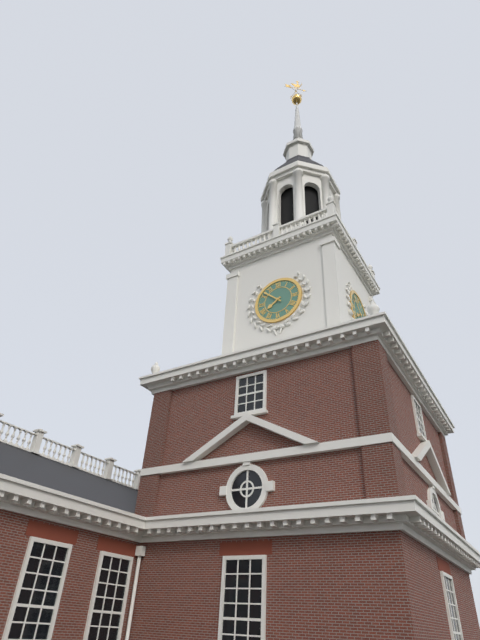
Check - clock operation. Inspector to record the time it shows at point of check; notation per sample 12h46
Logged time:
7h52
